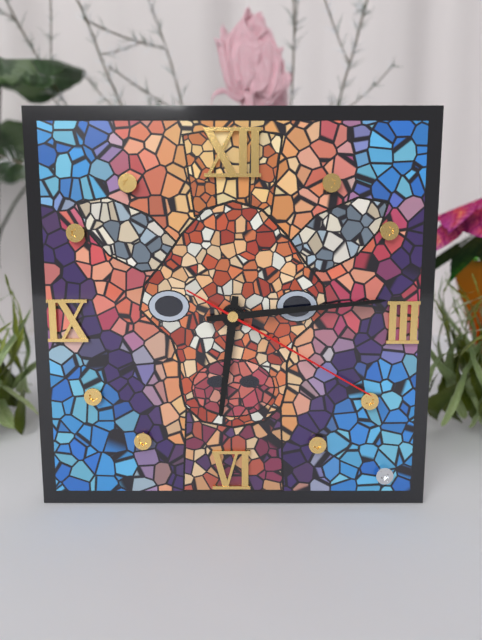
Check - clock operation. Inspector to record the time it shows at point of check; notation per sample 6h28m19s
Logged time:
6h14m20s
